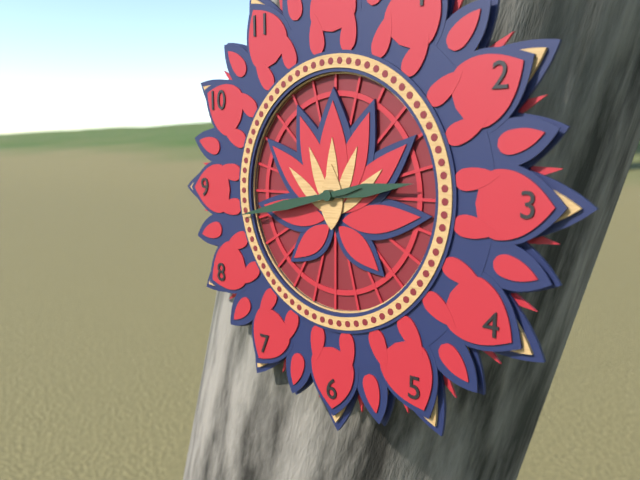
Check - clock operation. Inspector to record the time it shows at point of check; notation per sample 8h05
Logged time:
2h43
